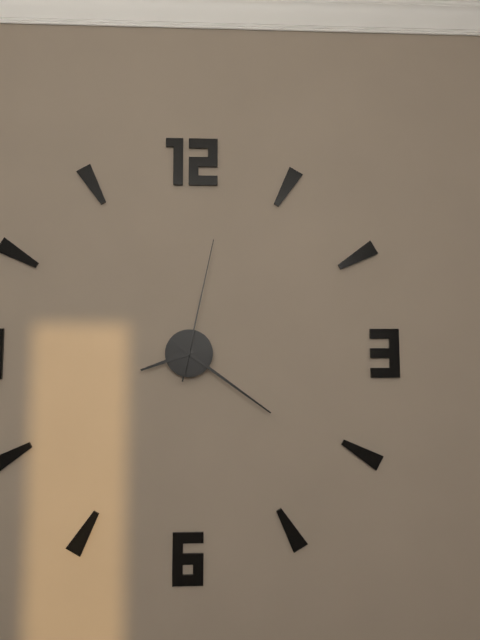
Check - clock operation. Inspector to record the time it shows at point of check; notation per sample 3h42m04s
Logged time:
8h21m02s
